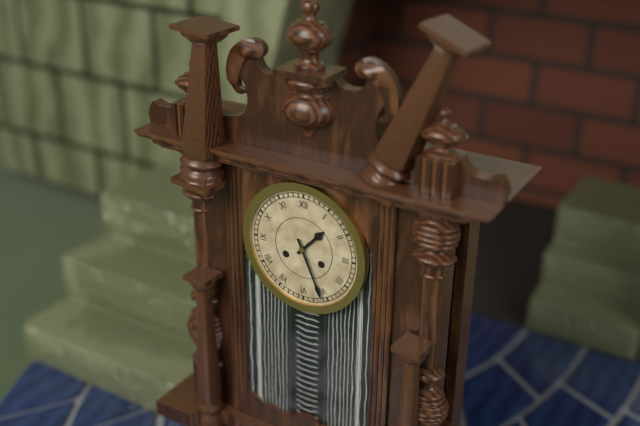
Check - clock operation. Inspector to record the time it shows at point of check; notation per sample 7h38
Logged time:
1h26
